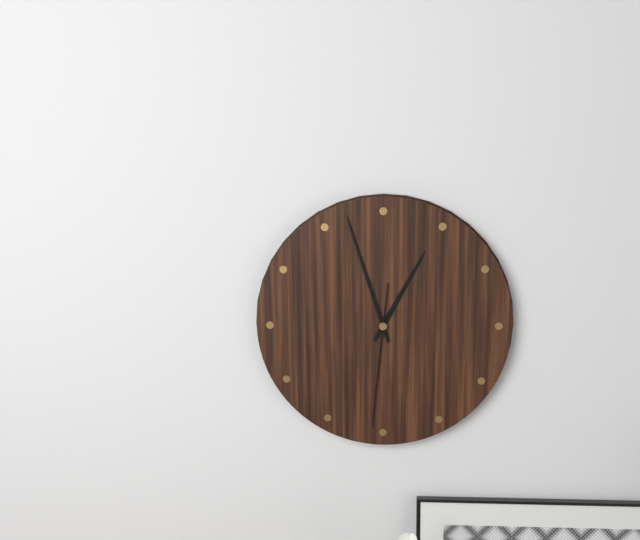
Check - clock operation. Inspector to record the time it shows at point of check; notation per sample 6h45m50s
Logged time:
12h57m31s
